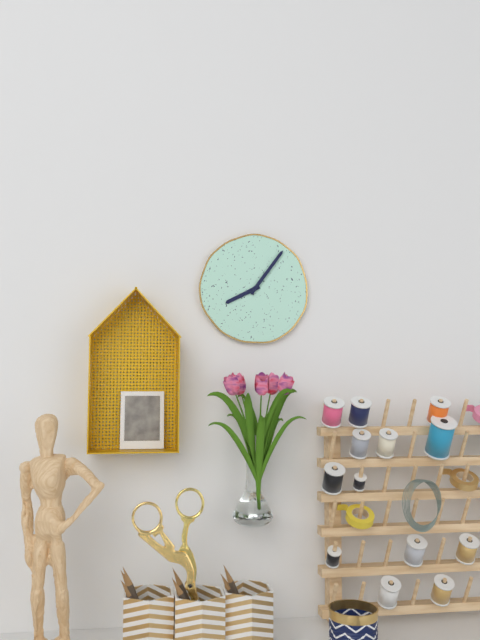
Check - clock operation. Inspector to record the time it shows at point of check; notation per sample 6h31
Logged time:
8h06
